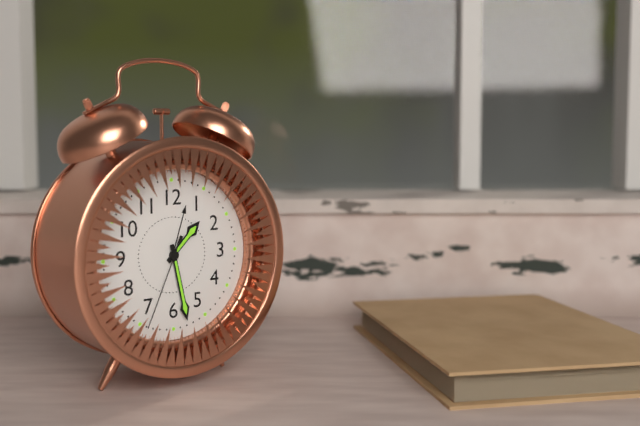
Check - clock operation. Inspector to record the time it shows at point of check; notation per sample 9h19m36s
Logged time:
1h28m34s
